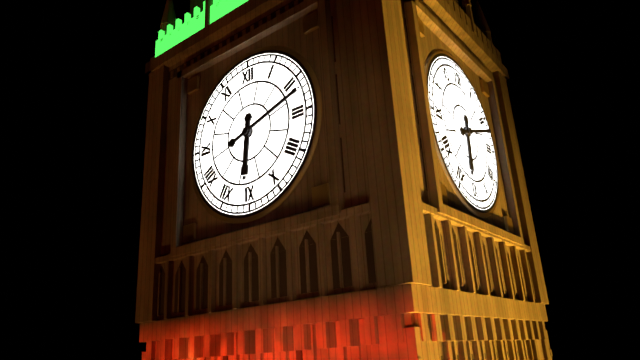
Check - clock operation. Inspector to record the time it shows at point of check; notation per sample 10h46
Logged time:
6h12
